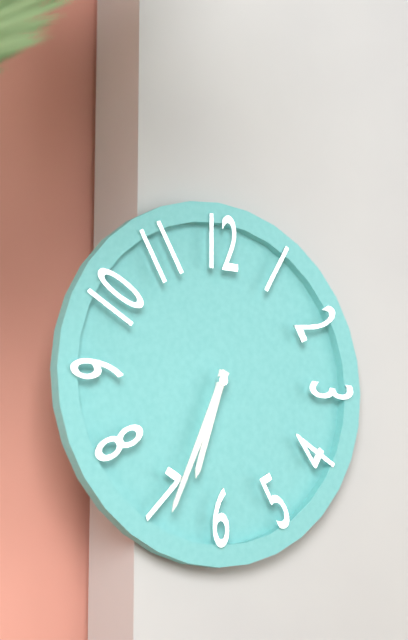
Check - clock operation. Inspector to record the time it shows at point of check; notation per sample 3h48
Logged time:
6h34
